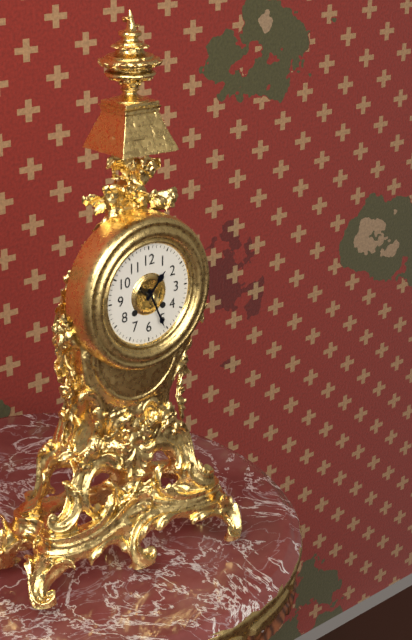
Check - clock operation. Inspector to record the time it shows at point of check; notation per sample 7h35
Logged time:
1h26
